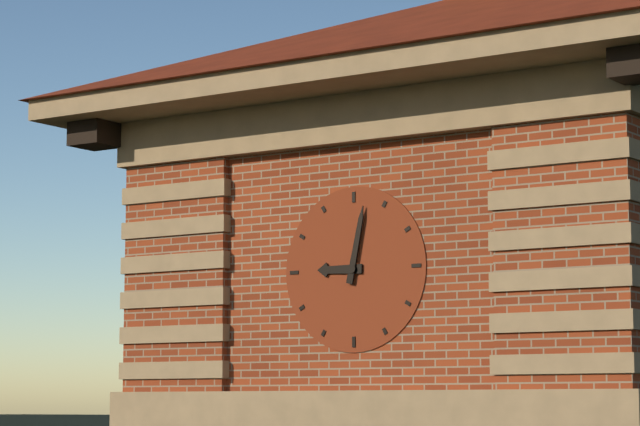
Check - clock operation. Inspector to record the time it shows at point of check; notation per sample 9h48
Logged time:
9h02
